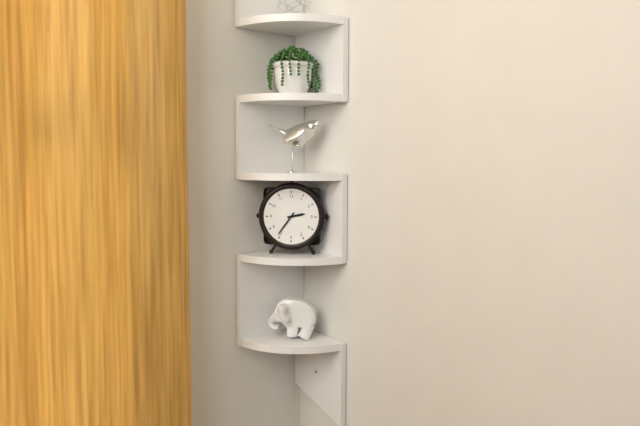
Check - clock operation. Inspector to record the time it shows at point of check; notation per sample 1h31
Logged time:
2h36
